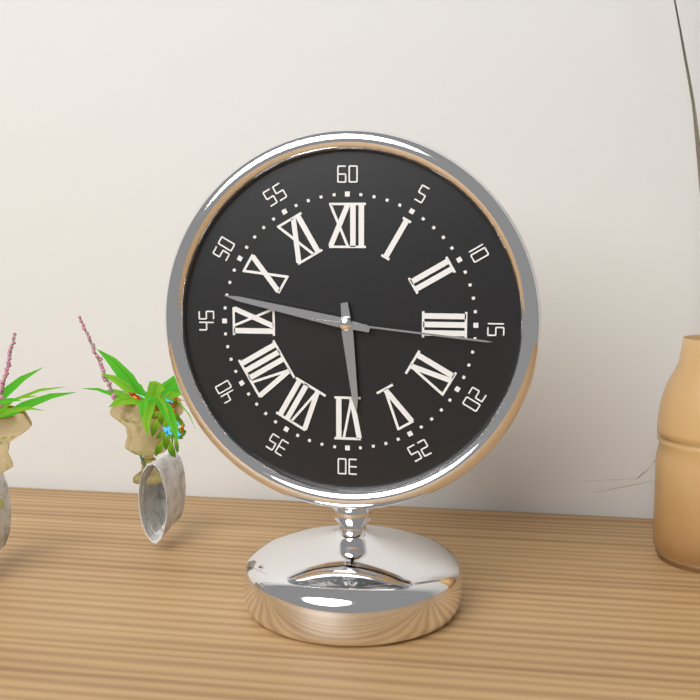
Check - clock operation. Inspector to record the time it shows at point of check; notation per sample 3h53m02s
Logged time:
5h47m16s
